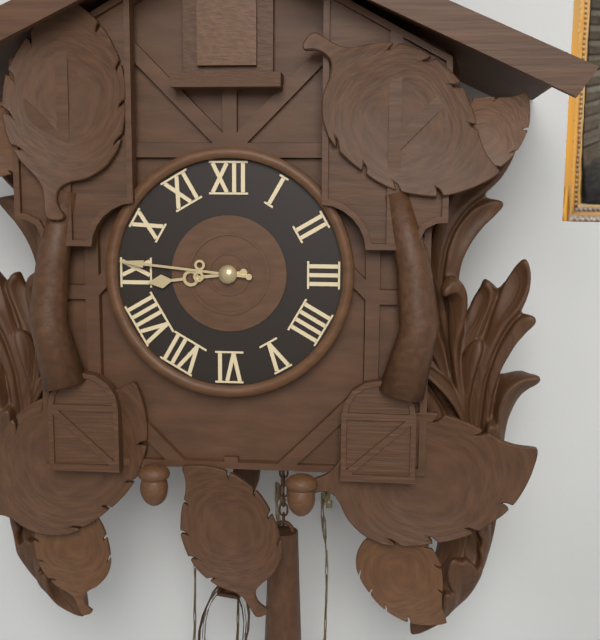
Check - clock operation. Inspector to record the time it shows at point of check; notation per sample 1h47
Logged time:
8h46
